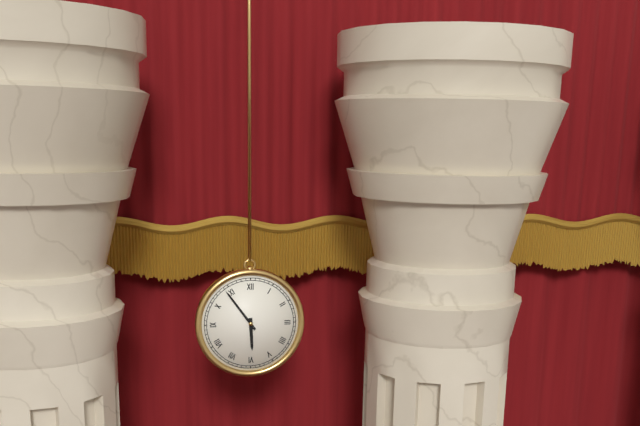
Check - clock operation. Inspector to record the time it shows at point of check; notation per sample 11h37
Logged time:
5h54
